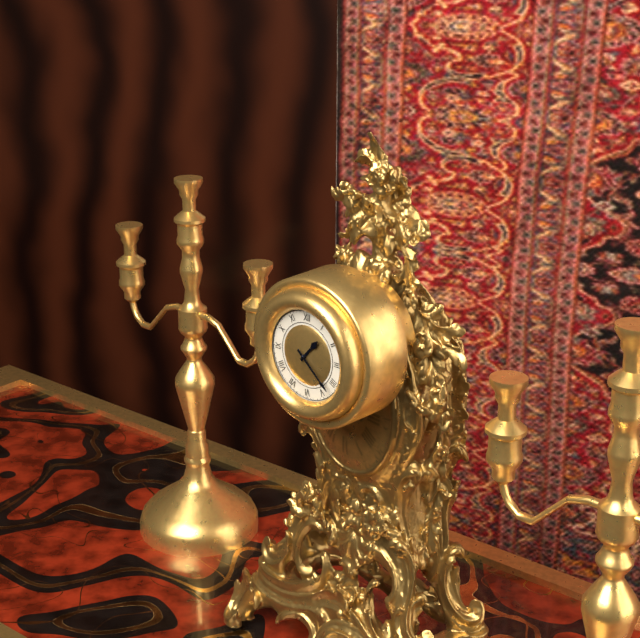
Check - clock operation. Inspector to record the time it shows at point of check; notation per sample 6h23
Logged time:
1h22
